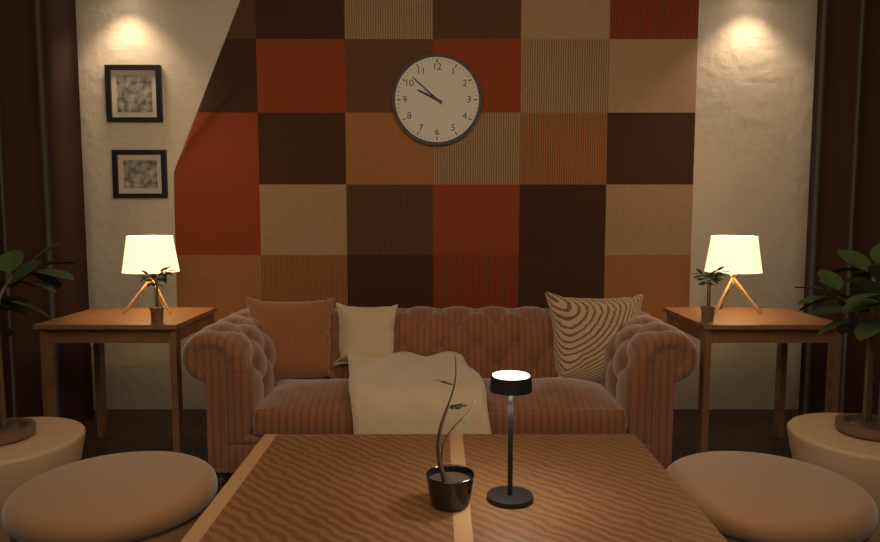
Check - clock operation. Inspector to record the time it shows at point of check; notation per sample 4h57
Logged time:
9h52
